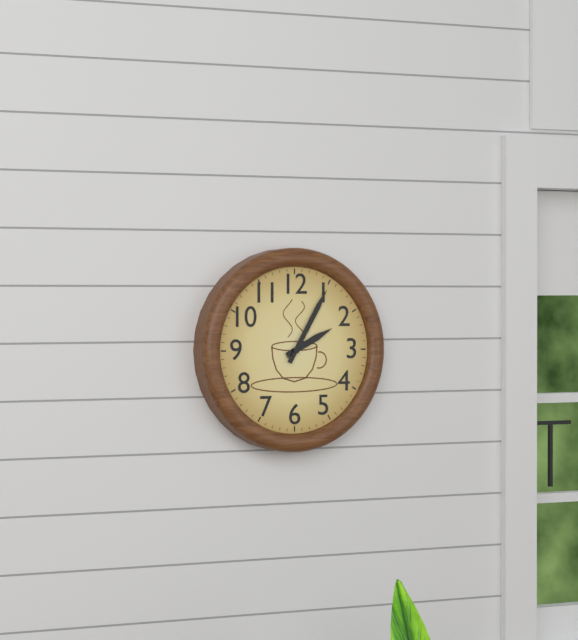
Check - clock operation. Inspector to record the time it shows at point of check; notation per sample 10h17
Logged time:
2h05
